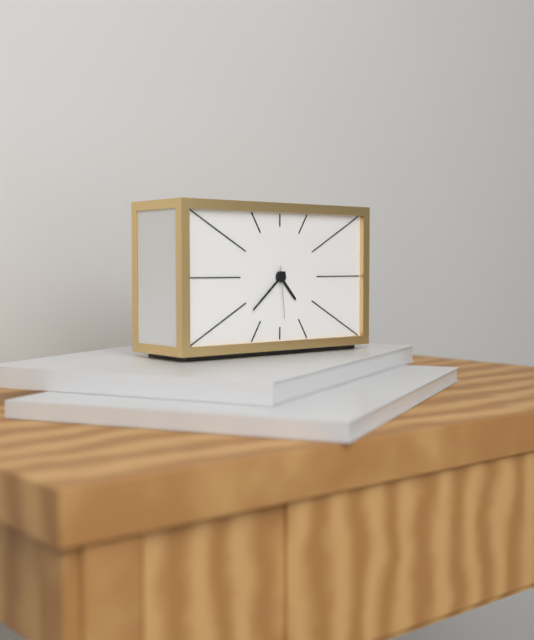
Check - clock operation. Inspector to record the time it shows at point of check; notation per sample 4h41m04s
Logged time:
4h38m29s
